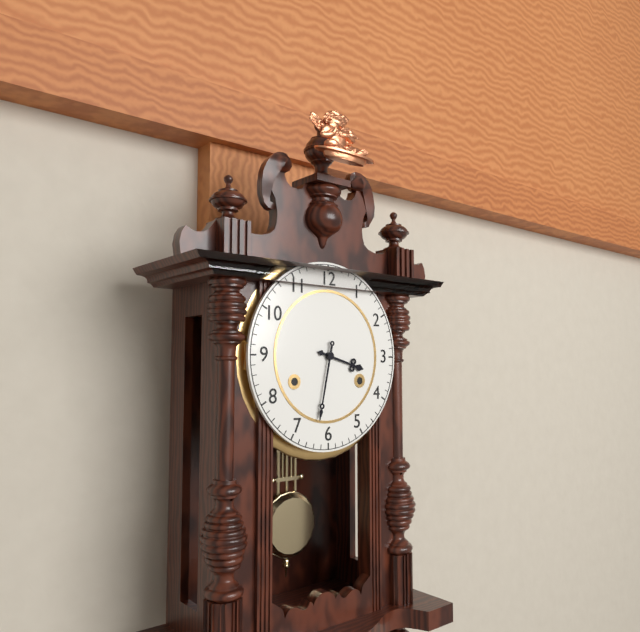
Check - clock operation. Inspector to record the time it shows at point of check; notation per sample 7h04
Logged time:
3h32
